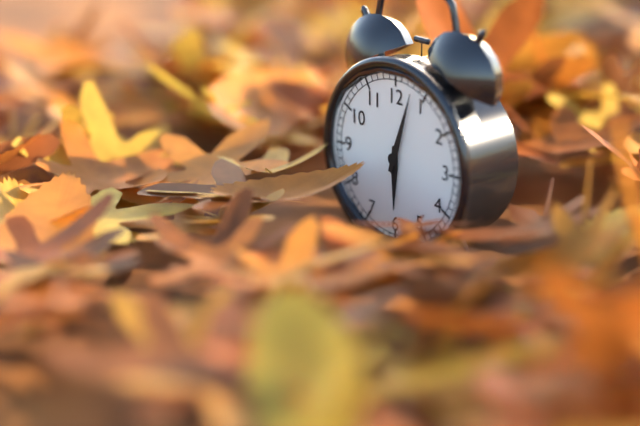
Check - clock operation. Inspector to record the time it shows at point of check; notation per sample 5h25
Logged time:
6h03
